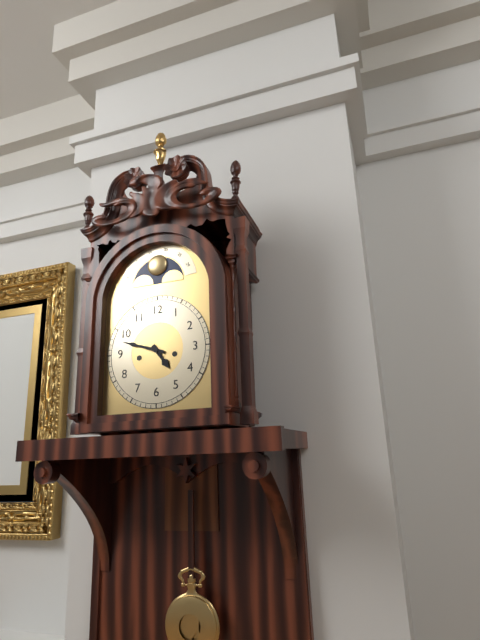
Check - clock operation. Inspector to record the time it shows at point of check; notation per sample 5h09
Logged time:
4h48
